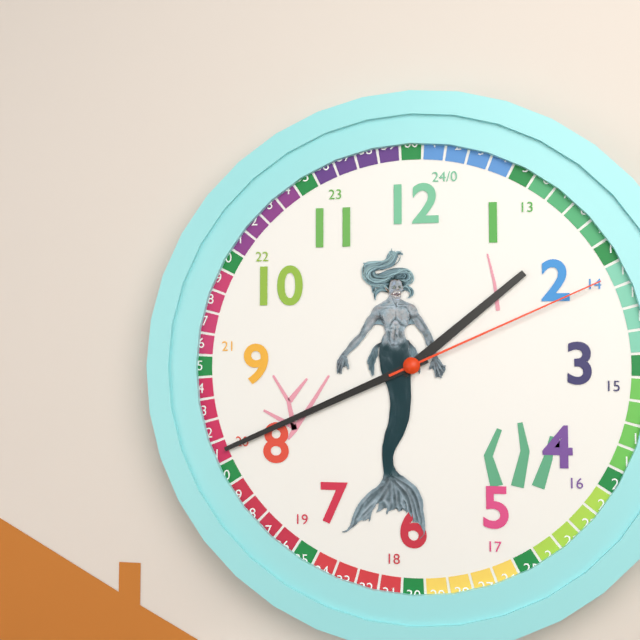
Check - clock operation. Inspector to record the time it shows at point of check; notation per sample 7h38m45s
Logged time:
1h41m11s
